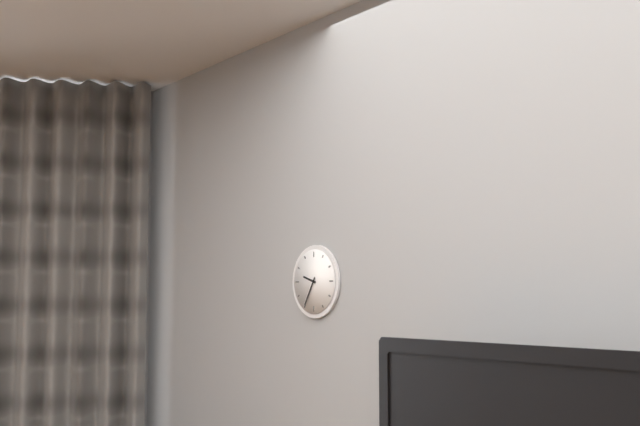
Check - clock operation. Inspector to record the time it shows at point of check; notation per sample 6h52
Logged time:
9h35
